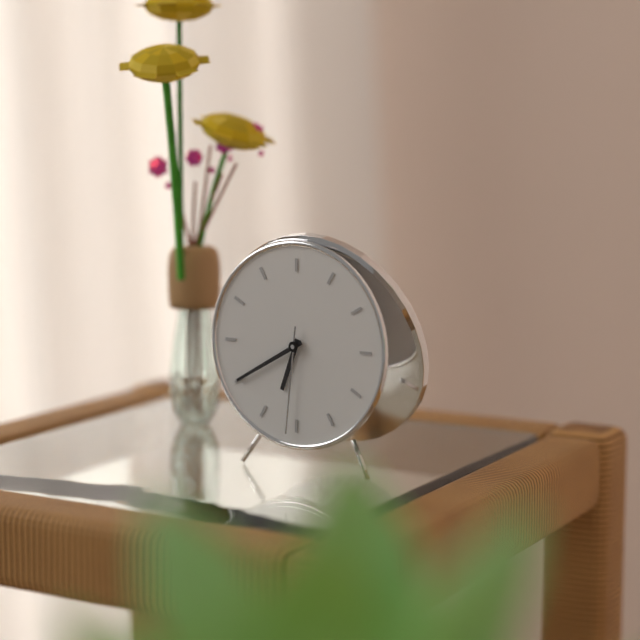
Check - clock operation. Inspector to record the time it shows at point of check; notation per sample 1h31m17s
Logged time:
6h40m31s
